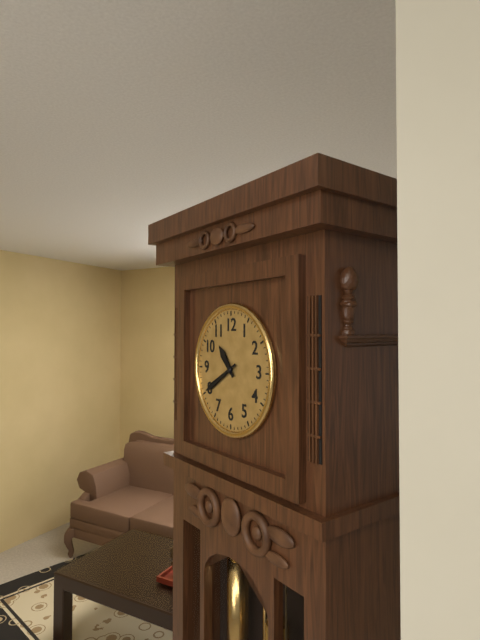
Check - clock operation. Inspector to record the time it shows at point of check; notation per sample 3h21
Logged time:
10h40
